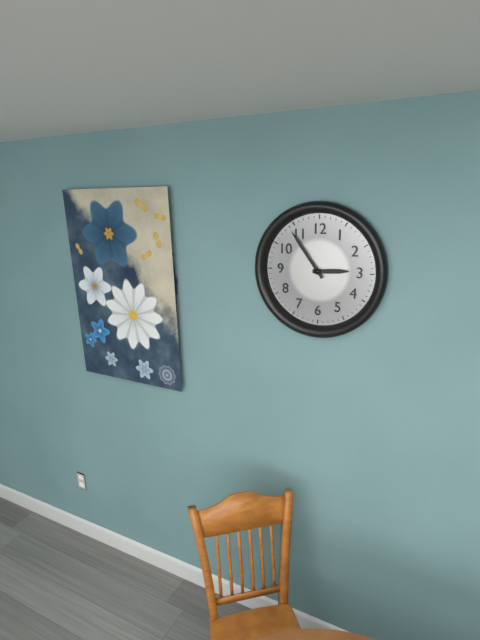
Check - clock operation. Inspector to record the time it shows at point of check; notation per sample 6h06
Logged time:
2h54
